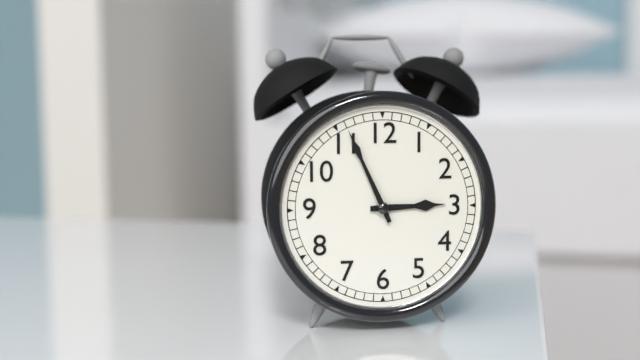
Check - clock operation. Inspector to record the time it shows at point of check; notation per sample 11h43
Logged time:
2h56
